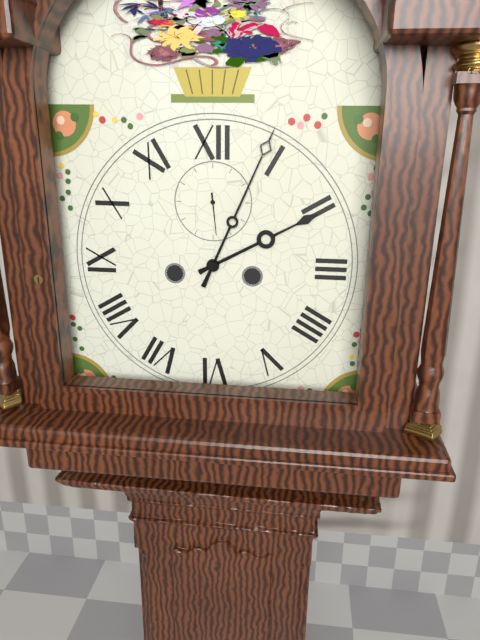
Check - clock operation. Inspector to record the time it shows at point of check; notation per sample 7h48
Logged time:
2h04
